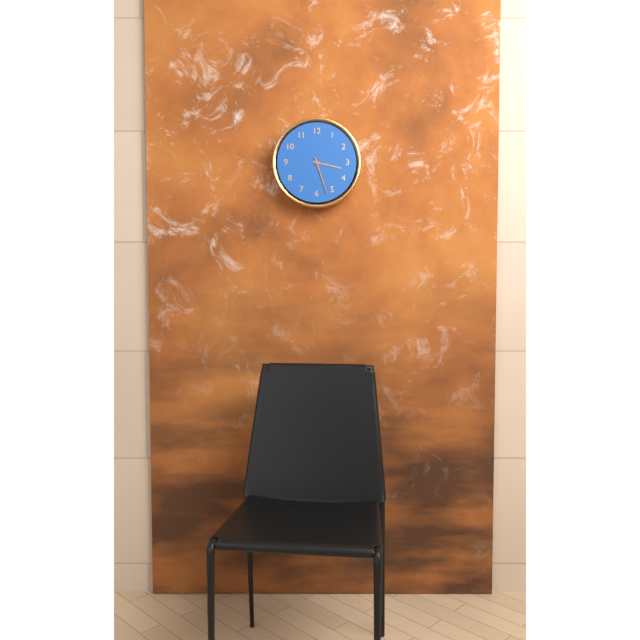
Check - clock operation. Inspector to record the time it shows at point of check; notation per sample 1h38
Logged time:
3h27
